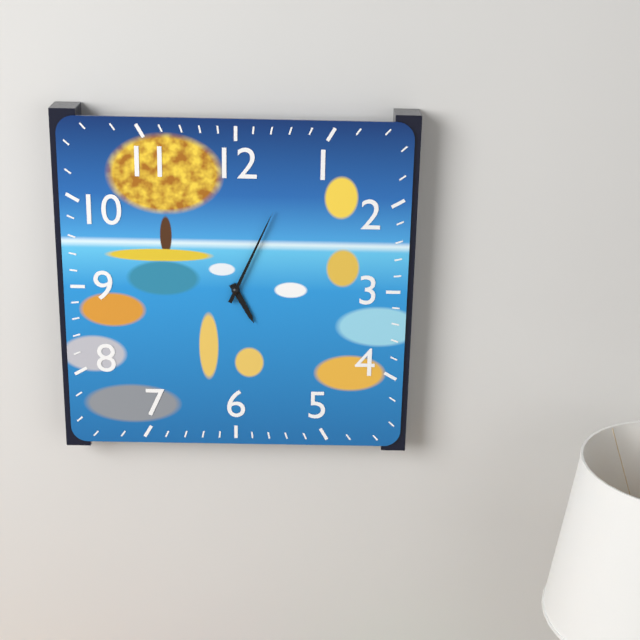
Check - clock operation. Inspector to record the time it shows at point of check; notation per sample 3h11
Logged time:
5h04
